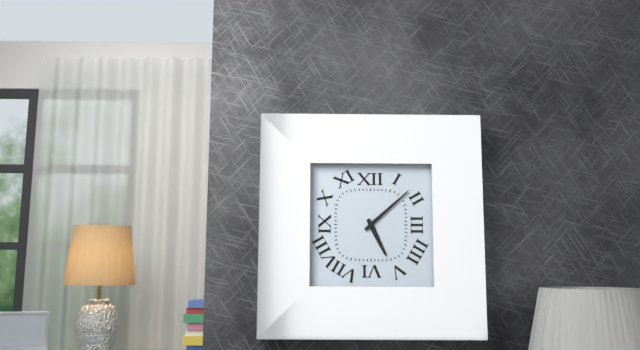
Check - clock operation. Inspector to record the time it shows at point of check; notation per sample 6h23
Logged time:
5h08
